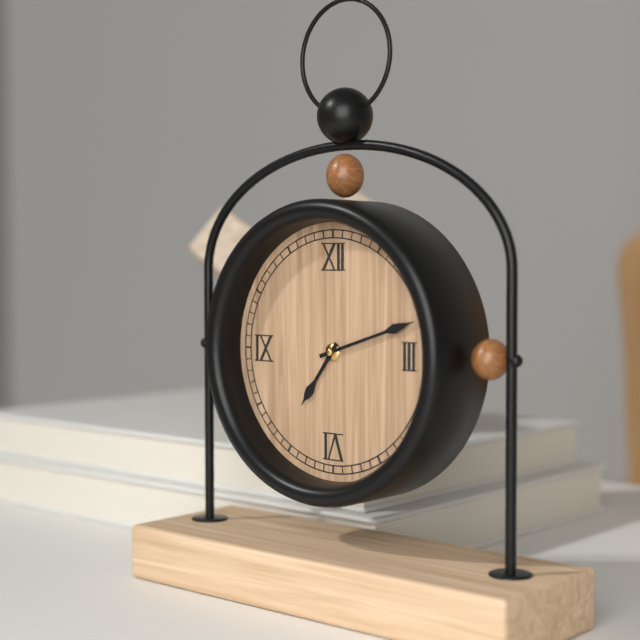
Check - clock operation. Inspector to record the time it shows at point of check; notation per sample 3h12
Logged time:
7h12
